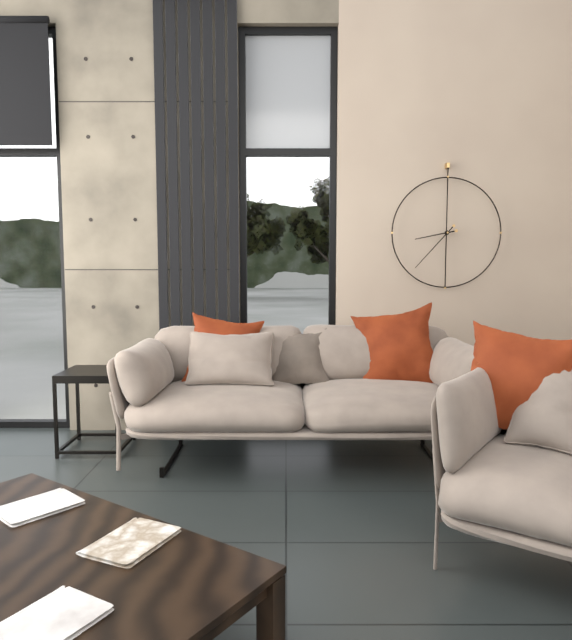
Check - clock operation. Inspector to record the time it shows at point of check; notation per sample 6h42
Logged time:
8h37
